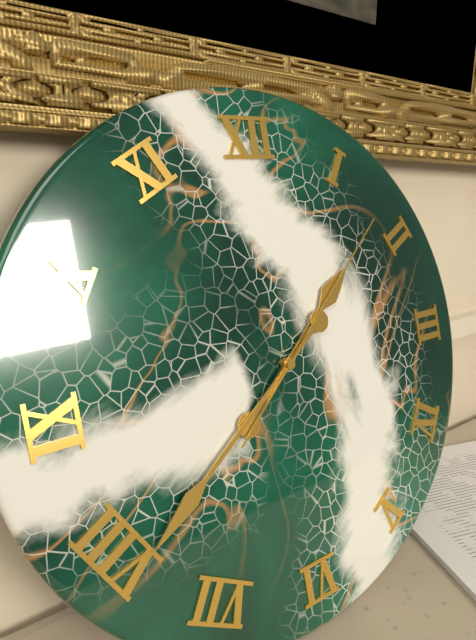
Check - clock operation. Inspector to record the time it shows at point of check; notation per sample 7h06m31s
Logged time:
1h39m08s
